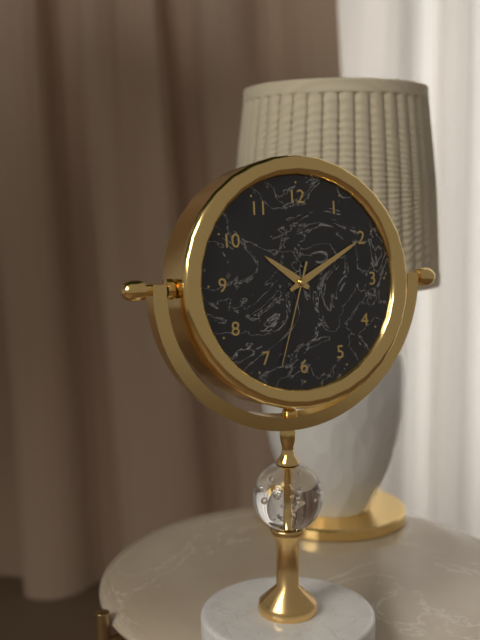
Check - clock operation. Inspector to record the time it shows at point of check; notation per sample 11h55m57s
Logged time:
10h10m33s
